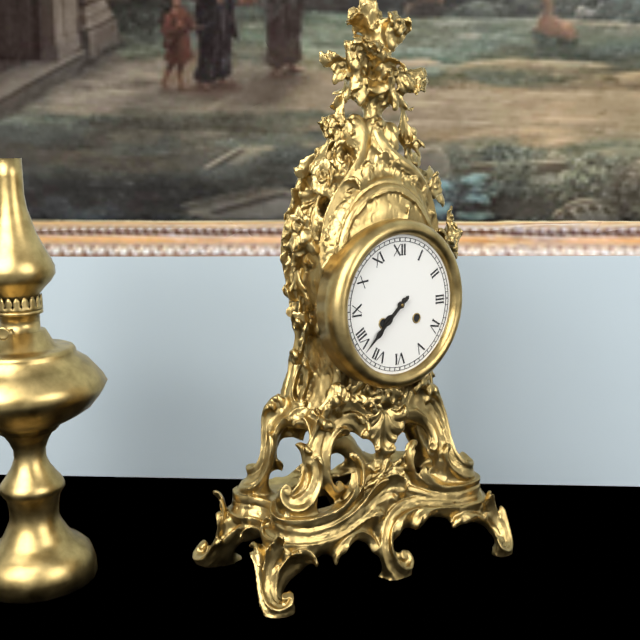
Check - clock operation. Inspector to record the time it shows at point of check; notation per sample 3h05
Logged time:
7h38
